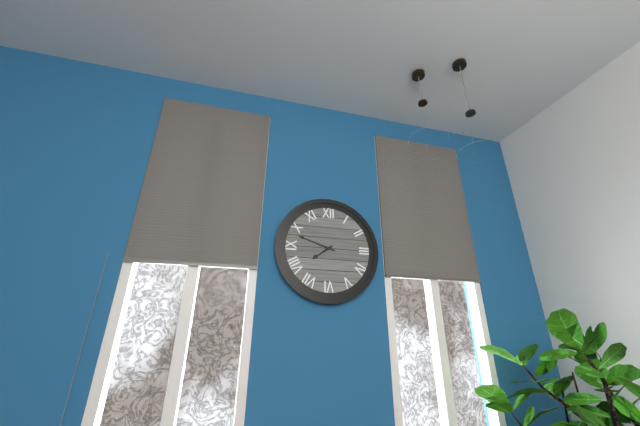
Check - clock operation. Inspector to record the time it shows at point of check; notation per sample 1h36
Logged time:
7h48
